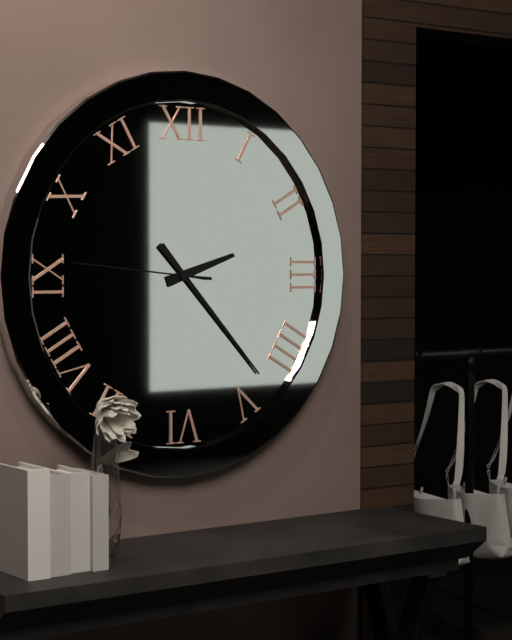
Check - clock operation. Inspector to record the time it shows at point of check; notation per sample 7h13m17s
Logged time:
2h23m46s
